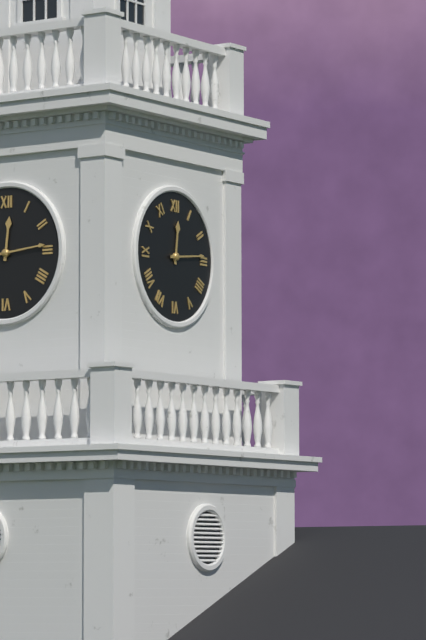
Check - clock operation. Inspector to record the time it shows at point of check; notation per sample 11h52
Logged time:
12h14
